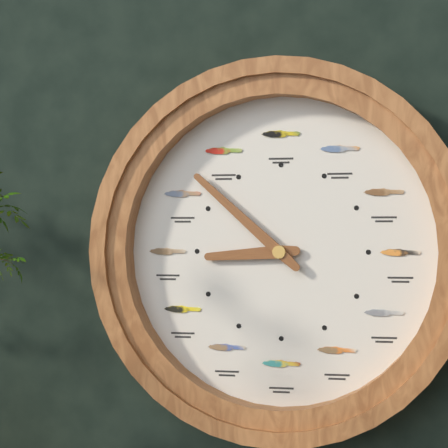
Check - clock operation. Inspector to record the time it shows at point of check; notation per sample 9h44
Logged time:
8h52
